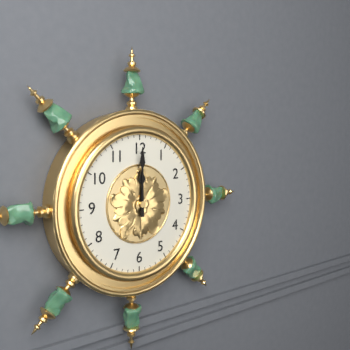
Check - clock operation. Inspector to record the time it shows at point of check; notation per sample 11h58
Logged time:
12h00
